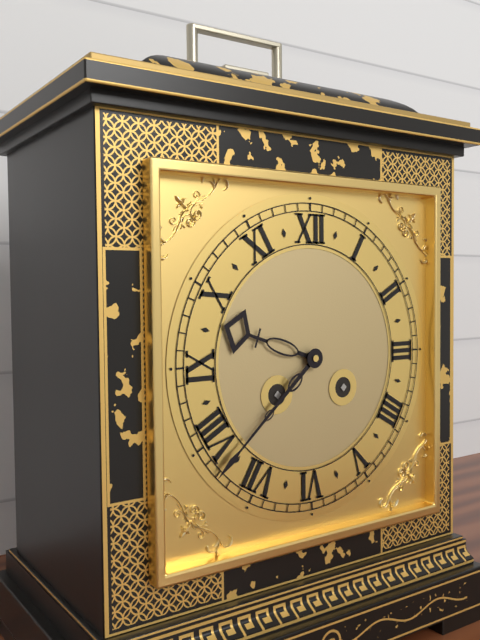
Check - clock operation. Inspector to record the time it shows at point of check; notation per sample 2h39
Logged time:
9h38
